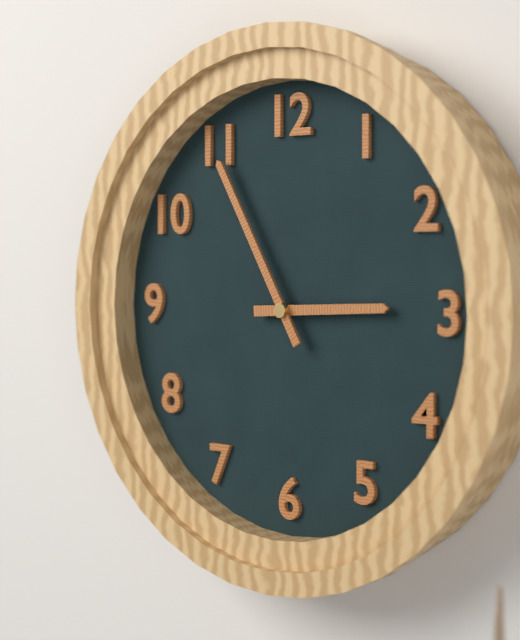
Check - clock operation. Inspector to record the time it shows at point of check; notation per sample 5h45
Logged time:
2h55
